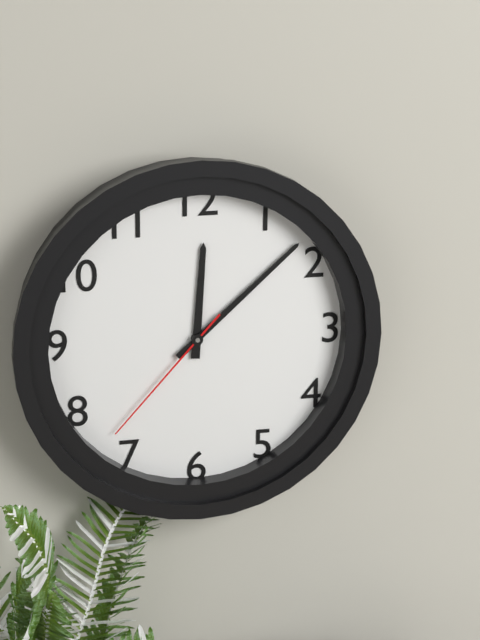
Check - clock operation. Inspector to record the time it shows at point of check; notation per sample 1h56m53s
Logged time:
12h08m37s
